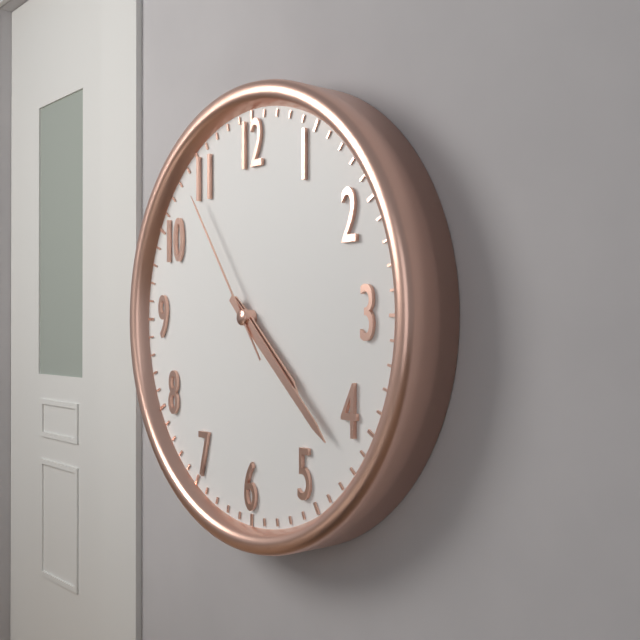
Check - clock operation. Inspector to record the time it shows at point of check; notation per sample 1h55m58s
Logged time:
4h22m54s
